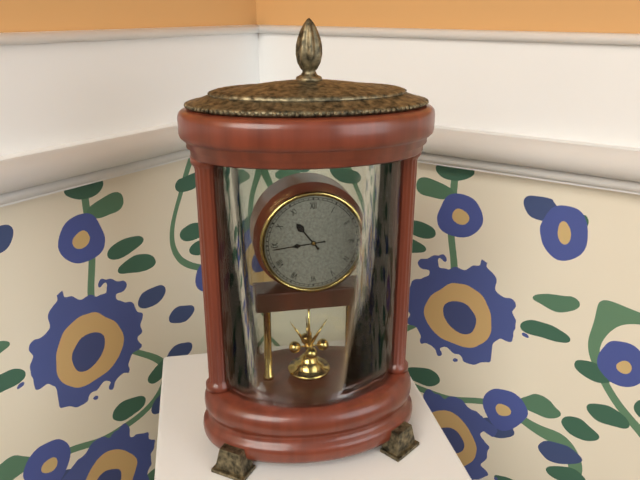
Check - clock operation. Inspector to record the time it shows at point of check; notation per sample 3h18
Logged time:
10h44
